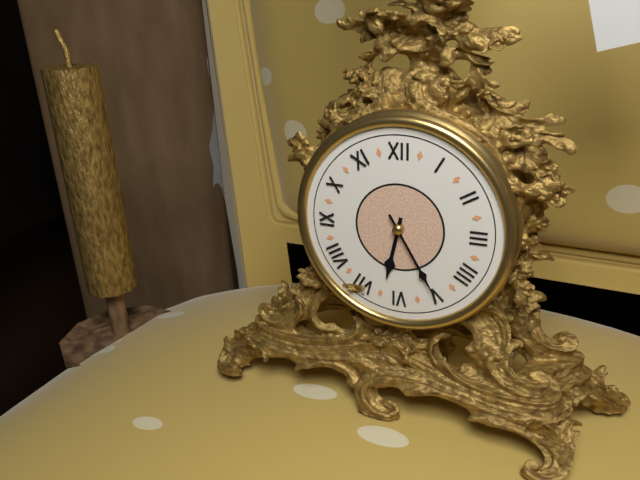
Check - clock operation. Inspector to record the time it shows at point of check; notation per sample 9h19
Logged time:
6h25
